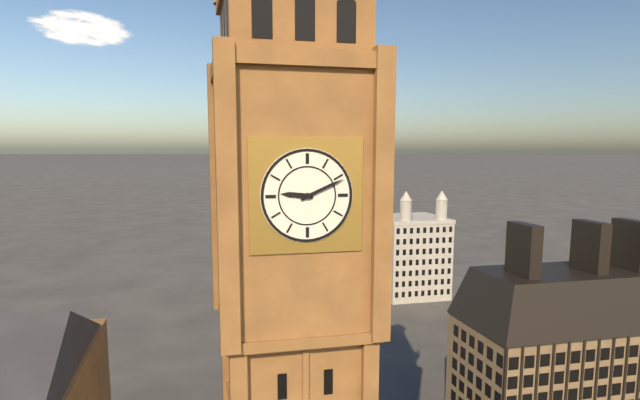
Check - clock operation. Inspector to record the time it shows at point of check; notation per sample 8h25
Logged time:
9h11
